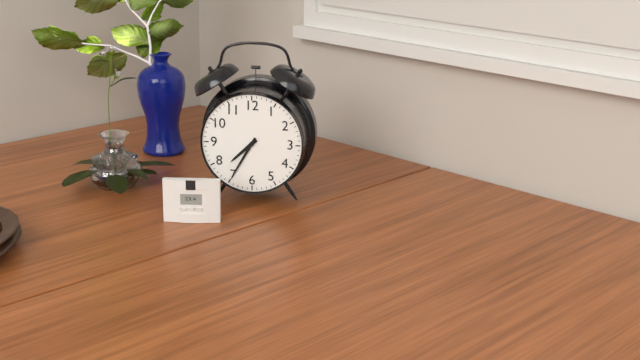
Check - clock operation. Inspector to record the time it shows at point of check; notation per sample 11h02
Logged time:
7h35
